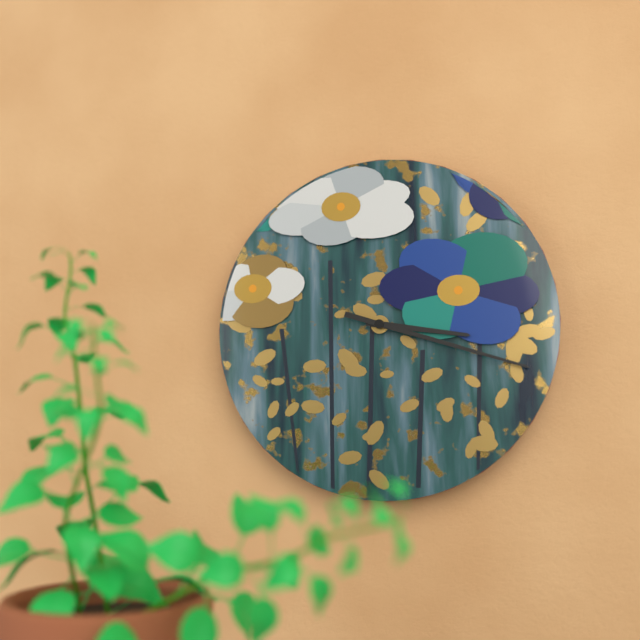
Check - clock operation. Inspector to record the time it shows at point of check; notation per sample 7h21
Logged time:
3h18
